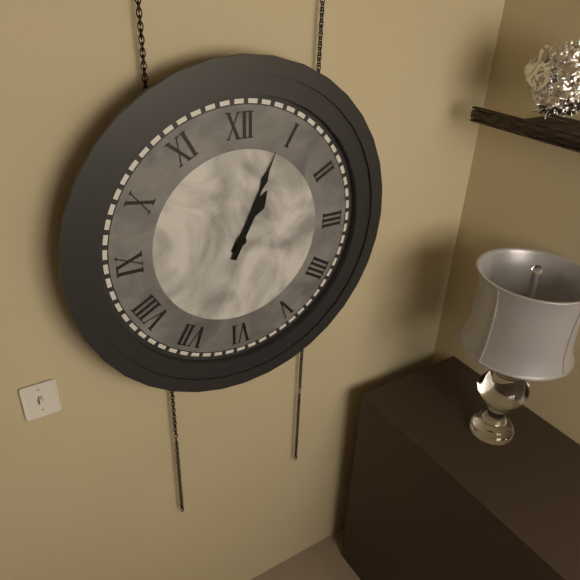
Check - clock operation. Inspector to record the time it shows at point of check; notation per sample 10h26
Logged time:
1h04
